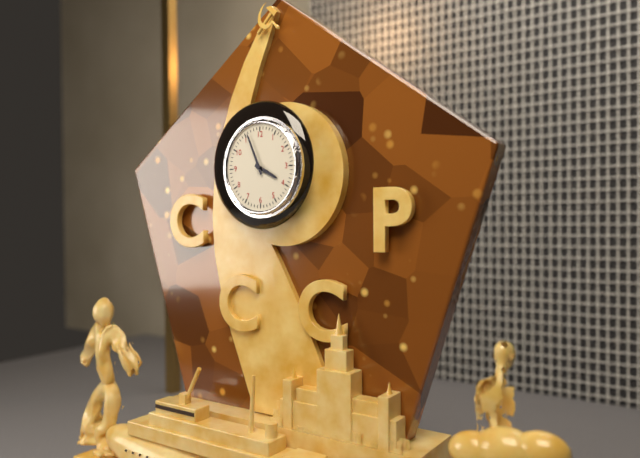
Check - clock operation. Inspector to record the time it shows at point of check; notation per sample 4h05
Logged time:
3h56
